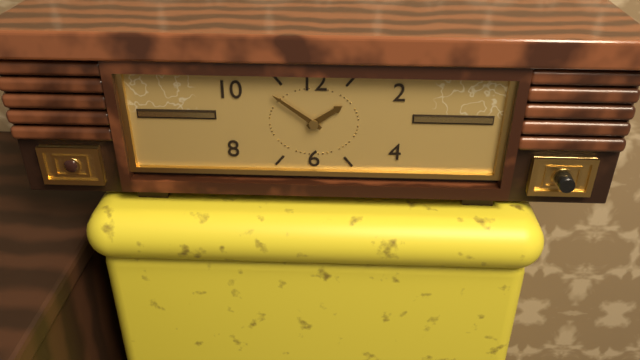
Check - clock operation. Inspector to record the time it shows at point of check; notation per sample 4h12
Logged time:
1h51
